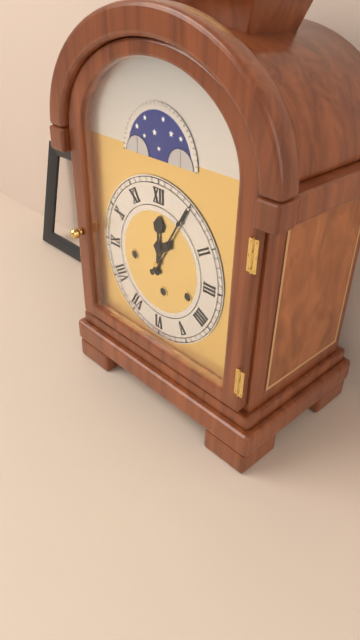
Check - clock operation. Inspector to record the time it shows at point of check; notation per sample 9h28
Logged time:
12h05
